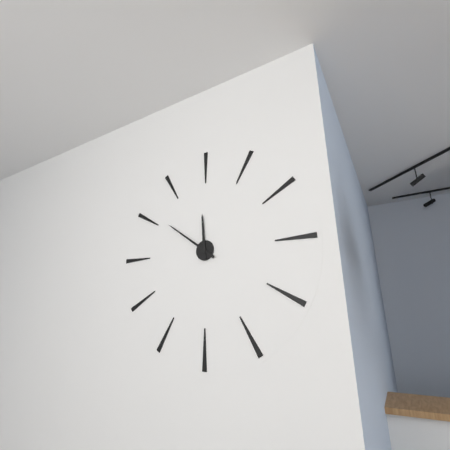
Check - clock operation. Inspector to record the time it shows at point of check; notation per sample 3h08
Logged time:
11h51
